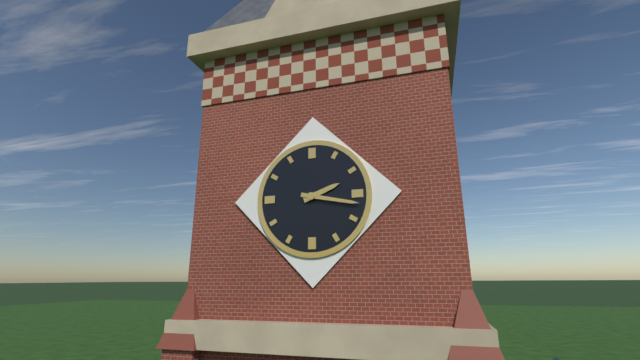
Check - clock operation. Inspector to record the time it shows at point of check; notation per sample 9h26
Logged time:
2h17
